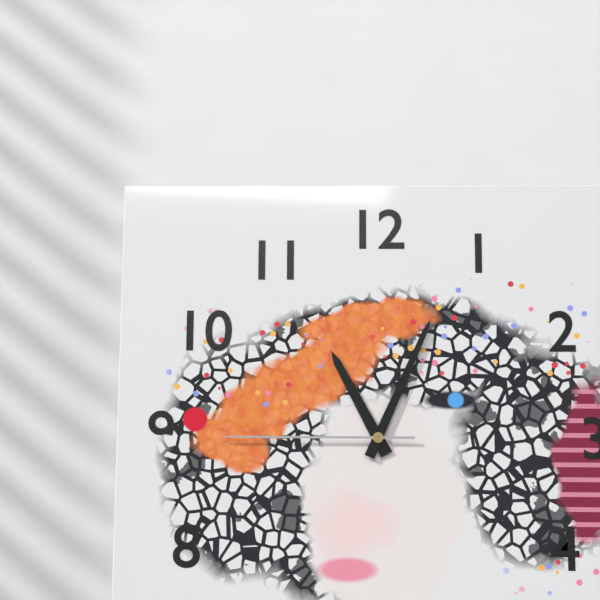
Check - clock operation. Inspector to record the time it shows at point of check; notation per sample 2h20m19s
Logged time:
11h04m45s
